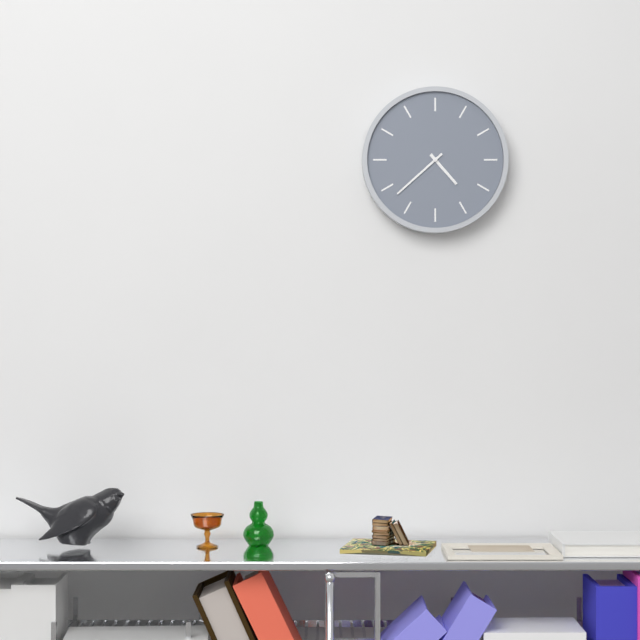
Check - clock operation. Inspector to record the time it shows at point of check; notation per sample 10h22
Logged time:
4h38
